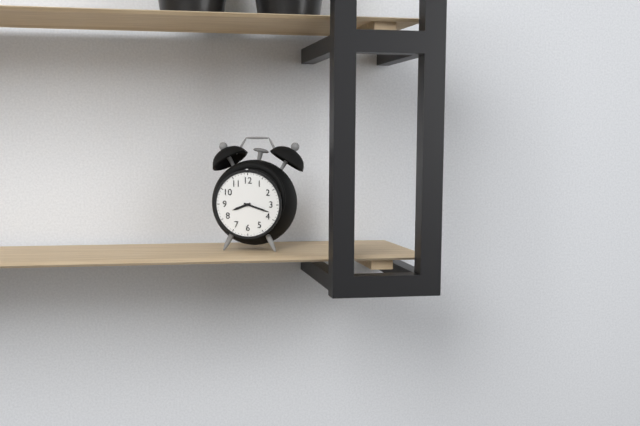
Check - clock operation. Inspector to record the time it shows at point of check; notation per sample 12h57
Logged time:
8h18
